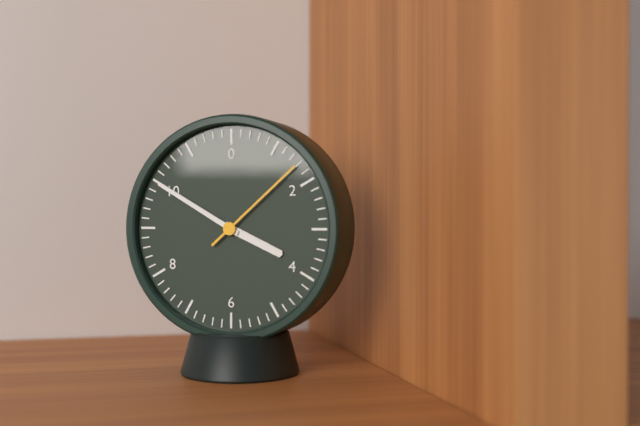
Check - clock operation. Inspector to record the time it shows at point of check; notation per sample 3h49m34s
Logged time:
3h50m08s
